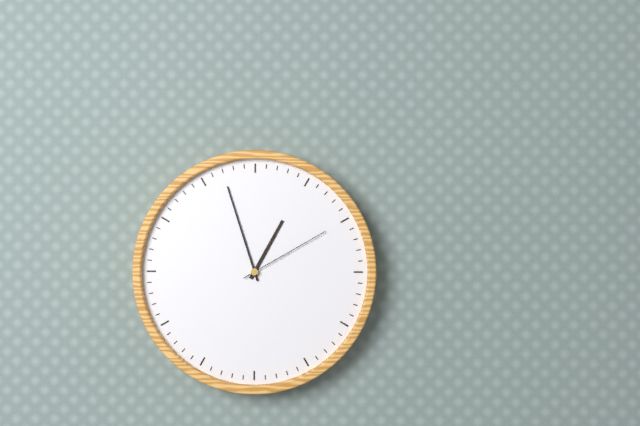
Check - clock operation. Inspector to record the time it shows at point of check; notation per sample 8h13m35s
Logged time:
12h57m10s
